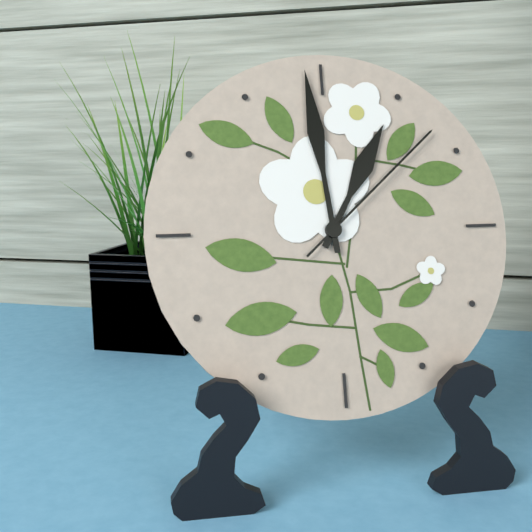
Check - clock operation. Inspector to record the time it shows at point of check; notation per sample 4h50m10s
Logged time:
12h59m08s
